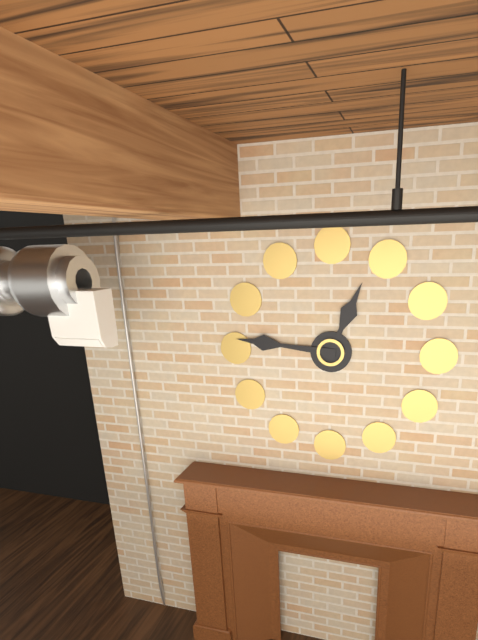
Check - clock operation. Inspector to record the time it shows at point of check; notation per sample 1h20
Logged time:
12h46
